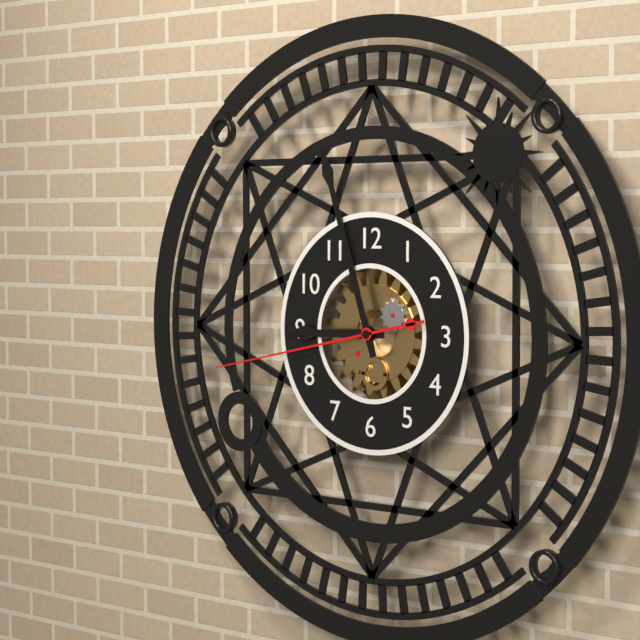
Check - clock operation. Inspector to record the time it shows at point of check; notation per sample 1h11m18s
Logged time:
8h57m43s
